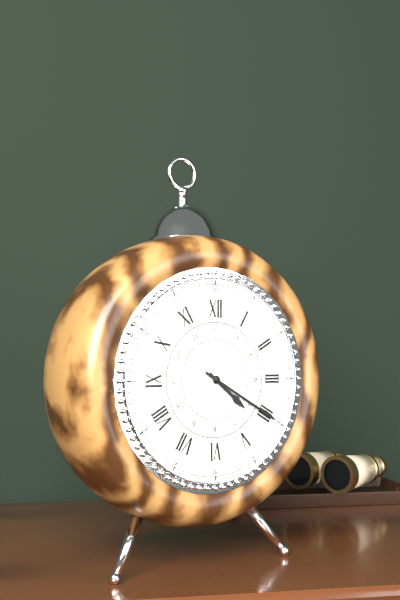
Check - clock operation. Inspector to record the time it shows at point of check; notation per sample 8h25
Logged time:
4h20
